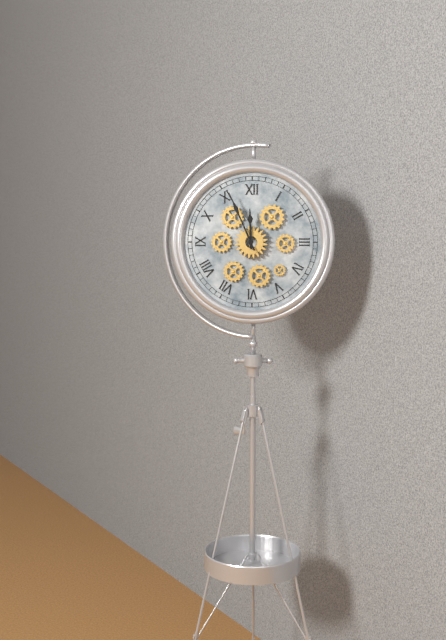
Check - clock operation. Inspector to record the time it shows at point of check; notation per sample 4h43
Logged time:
11h56
